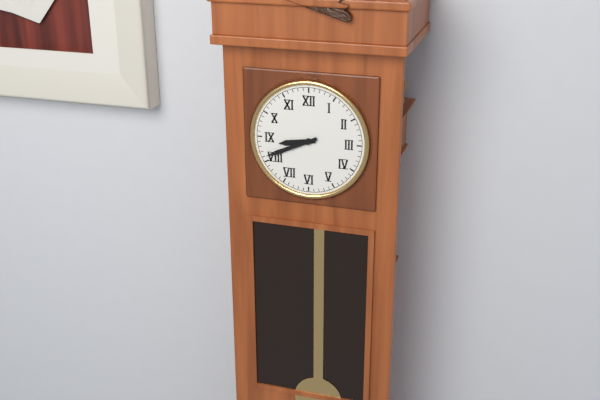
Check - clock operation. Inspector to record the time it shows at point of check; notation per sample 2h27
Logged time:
8h41
